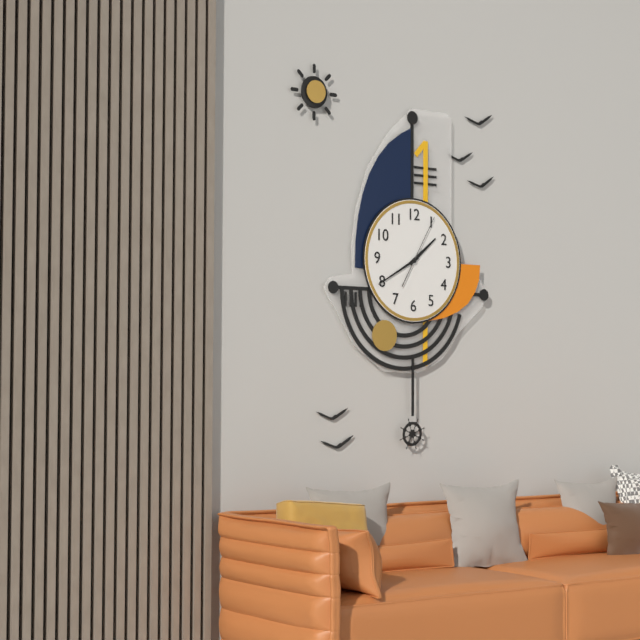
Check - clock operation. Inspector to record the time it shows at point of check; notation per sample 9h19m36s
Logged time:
1h40m05s
